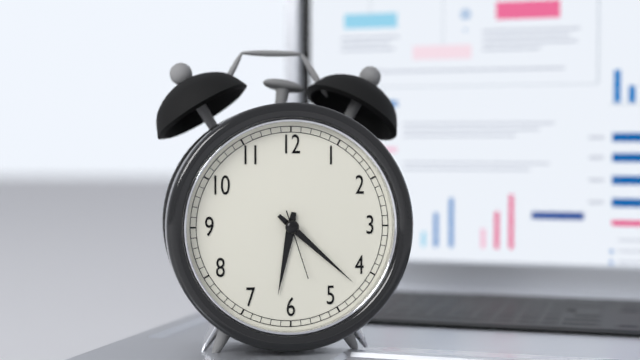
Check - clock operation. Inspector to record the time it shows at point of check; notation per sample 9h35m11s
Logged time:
6h22m27s
